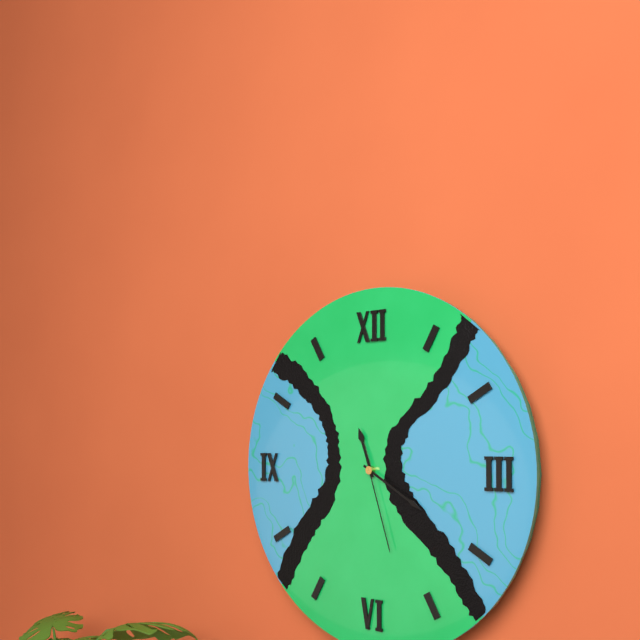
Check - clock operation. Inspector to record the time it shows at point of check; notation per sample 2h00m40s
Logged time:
11h20m27s
